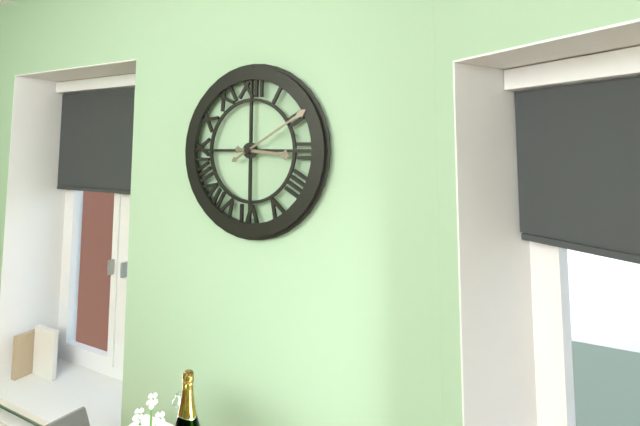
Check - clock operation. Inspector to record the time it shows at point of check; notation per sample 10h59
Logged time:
3h10
